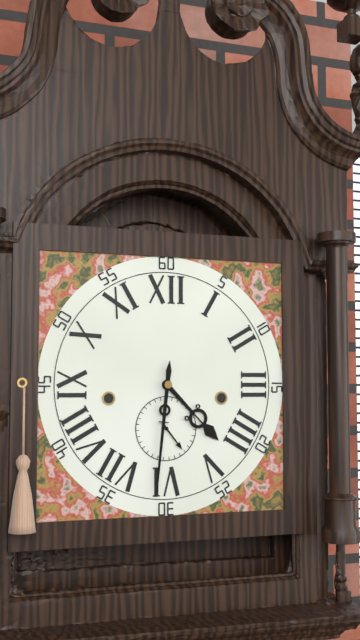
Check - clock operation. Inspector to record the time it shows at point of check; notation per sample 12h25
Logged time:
4h31
